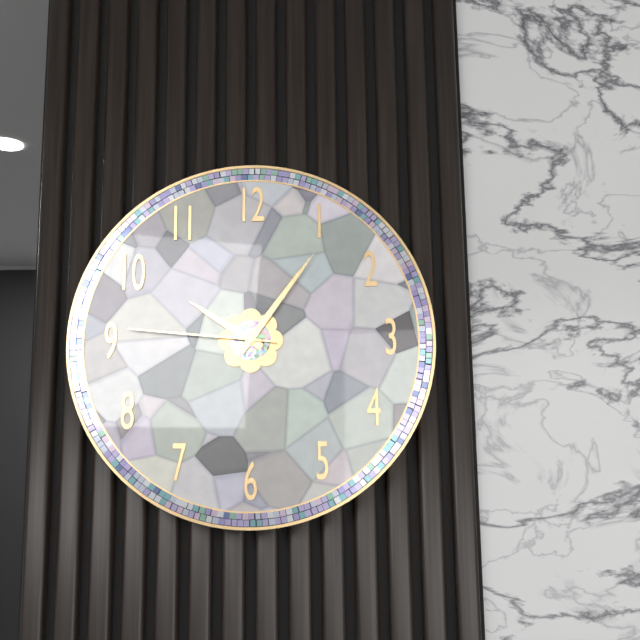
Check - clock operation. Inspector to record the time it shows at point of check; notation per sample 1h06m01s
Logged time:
10h06m46s
